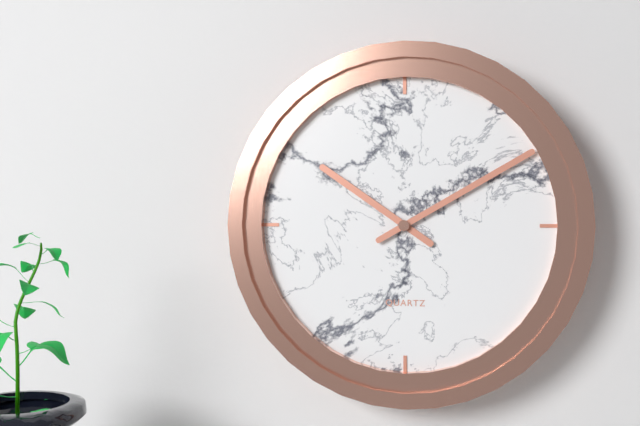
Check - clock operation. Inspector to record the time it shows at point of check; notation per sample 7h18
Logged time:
10h10
